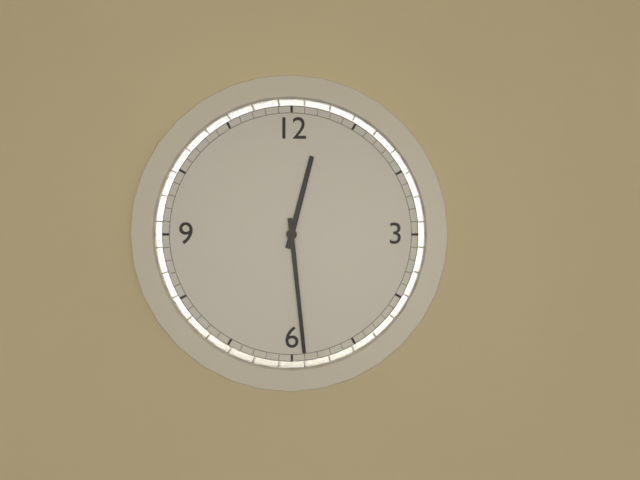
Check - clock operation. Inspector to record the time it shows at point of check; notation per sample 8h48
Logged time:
12h29
